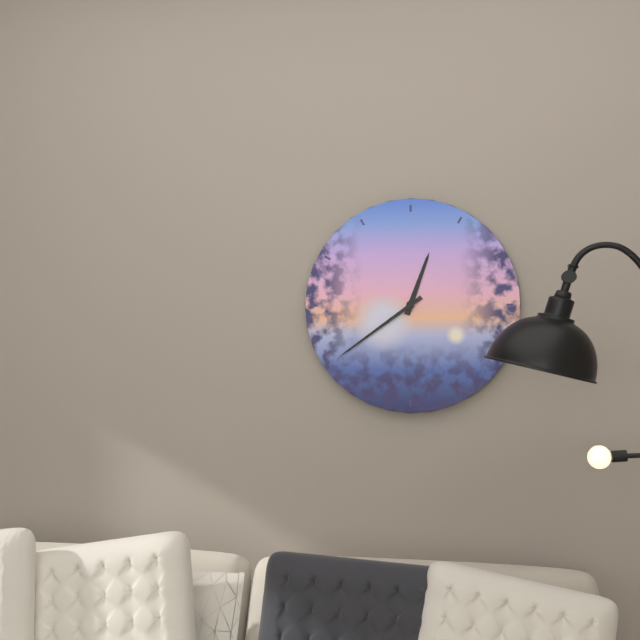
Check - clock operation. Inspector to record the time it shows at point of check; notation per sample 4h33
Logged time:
12h39
